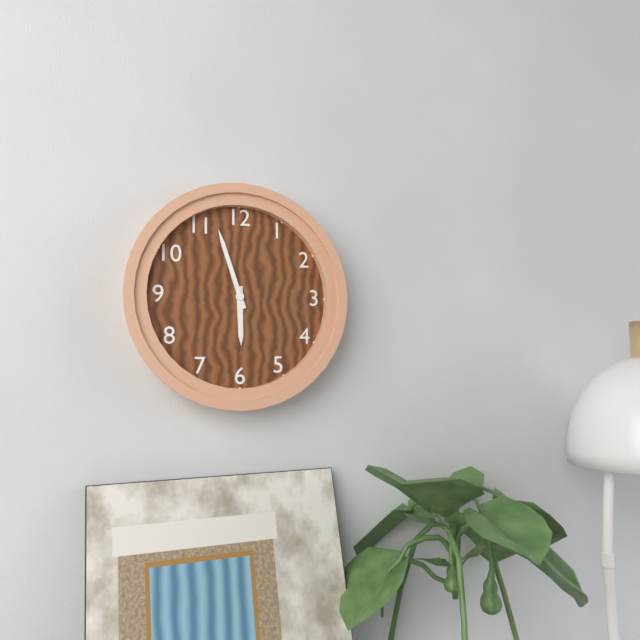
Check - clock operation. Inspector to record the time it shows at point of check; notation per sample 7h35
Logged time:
5h57
